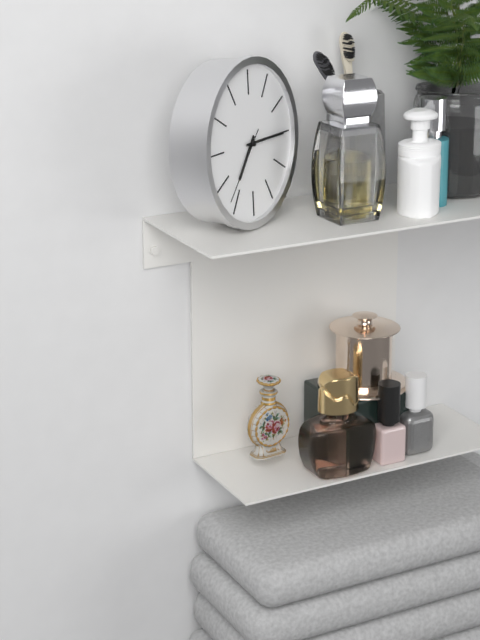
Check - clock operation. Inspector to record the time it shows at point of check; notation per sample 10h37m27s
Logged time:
7h15m37s
